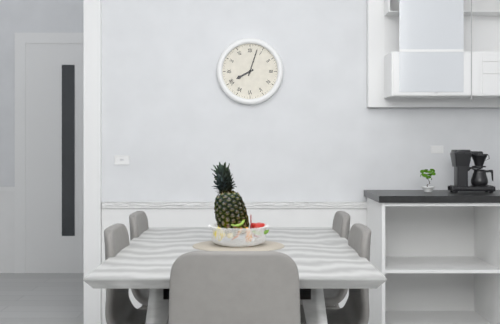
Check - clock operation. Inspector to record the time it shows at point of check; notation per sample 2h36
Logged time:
8h03
